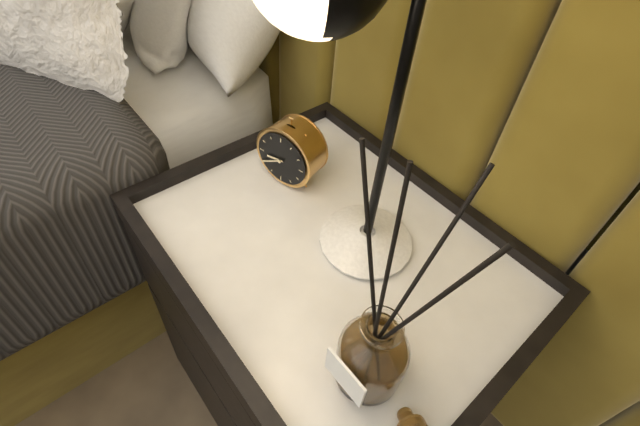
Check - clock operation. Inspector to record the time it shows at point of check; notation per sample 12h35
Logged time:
8h40
